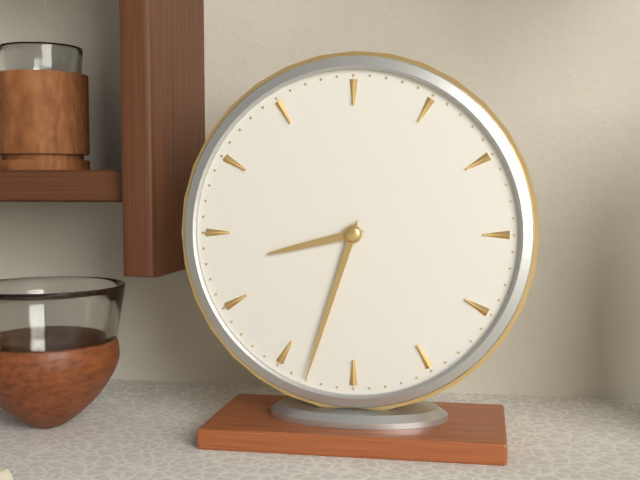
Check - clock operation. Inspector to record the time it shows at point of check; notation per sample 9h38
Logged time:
8h33
